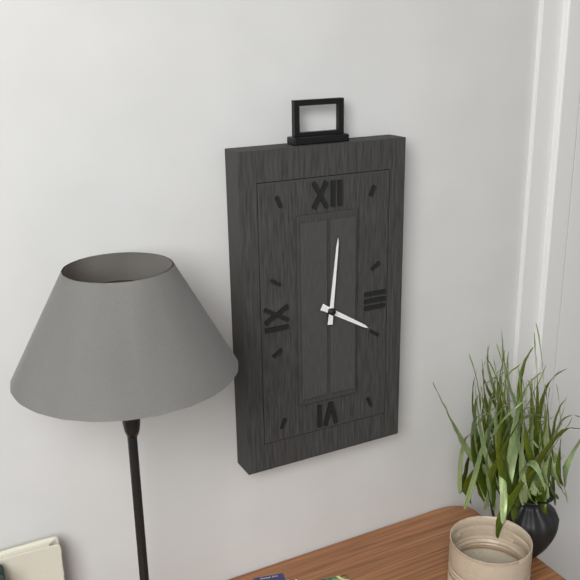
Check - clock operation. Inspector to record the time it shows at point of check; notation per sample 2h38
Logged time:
4h01
